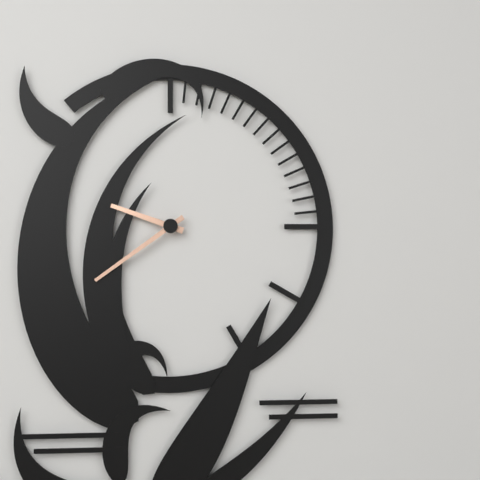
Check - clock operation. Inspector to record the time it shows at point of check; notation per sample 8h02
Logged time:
9h39
